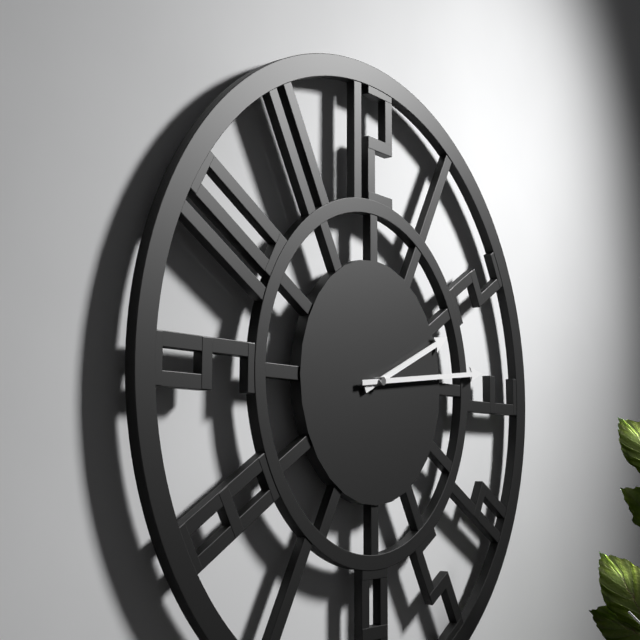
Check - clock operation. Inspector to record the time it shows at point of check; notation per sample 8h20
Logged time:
2h14
